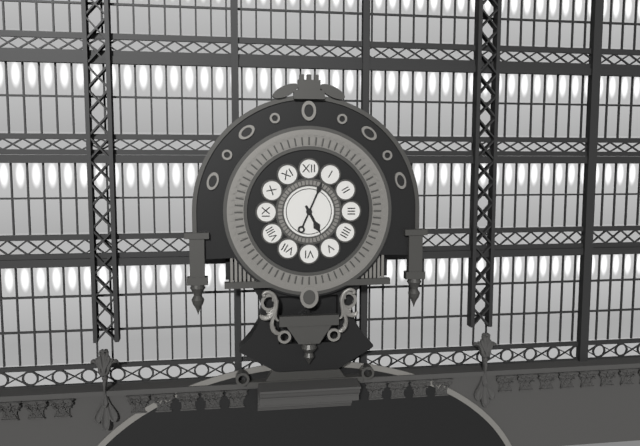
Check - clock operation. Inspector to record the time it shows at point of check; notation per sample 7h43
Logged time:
5h04
